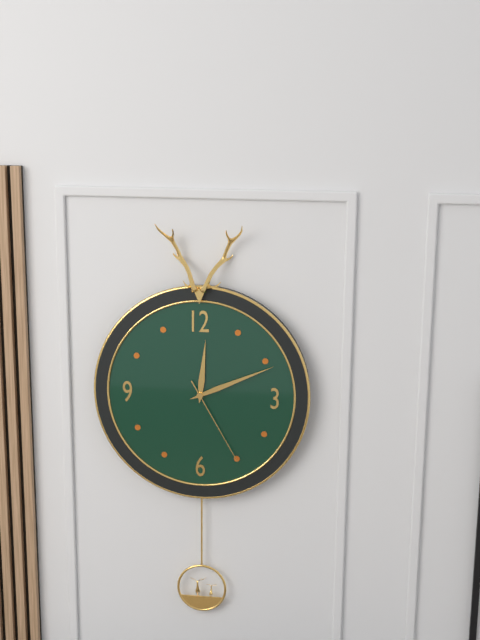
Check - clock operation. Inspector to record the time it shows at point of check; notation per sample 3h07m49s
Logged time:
12h11m25s
